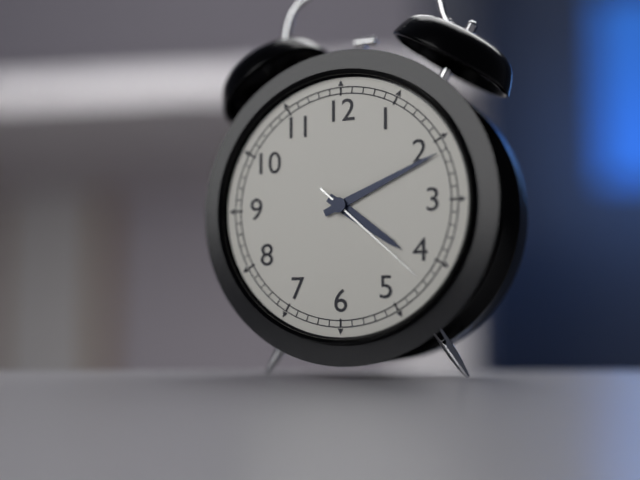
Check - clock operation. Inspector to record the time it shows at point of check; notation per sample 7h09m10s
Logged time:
4h11m22s
